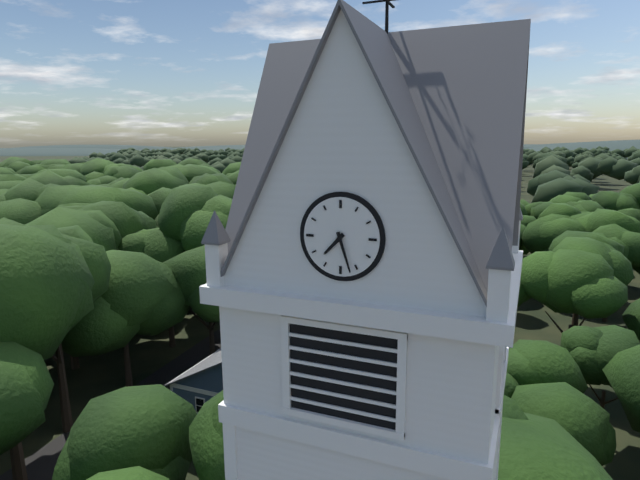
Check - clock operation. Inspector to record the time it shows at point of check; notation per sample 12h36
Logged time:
7h27
